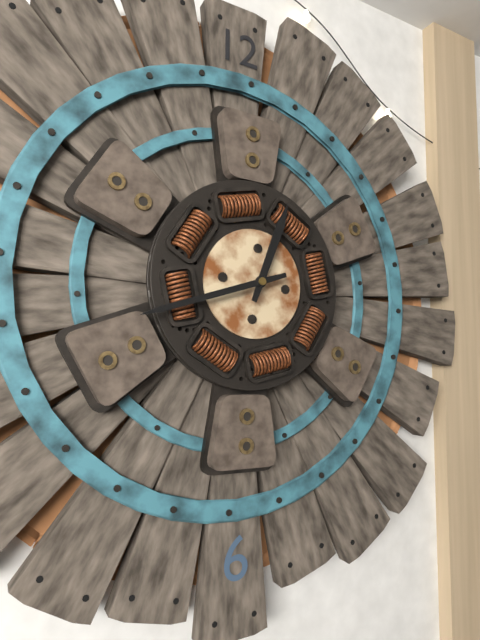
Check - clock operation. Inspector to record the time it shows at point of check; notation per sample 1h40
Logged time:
12h42
